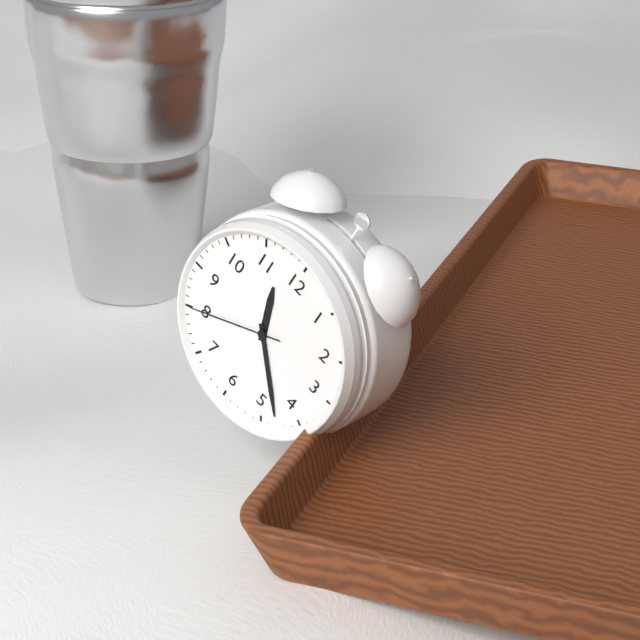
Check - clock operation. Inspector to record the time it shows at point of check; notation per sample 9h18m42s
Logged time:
11h23m40s
